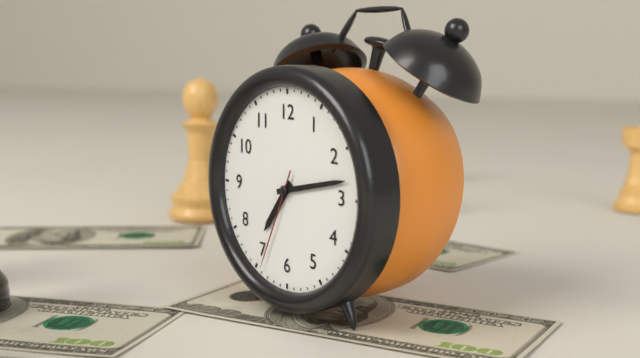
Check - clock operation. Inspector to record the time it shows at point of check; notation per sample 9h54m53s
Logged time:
7h13m34s
